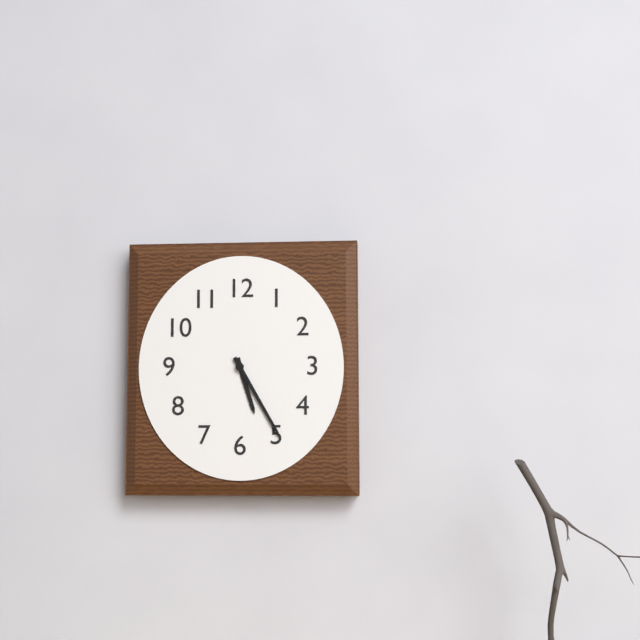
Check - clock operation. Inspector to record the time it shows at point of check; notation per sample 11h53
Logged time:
5h25
